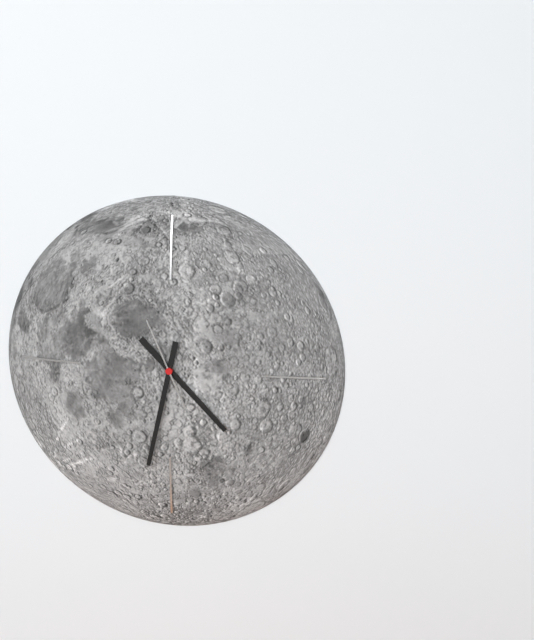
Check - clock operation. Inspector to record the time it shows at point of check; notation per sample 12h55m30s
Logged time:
4h32m56s
